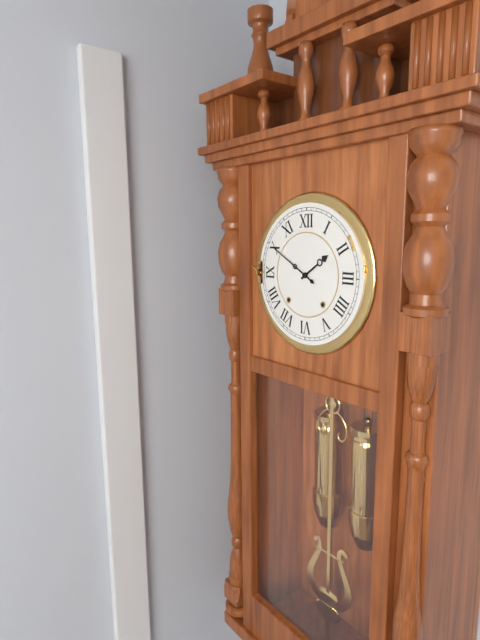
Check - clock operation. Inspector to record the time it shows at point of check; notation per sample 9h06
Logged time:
1h50
